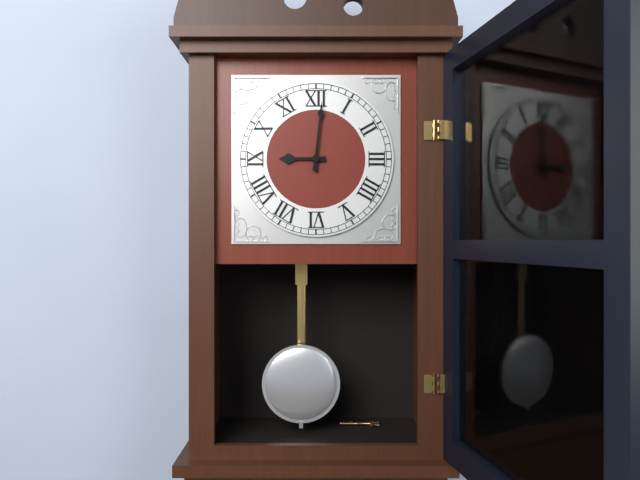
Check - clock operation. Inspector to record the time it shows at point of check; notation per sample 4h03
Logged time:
9h01
